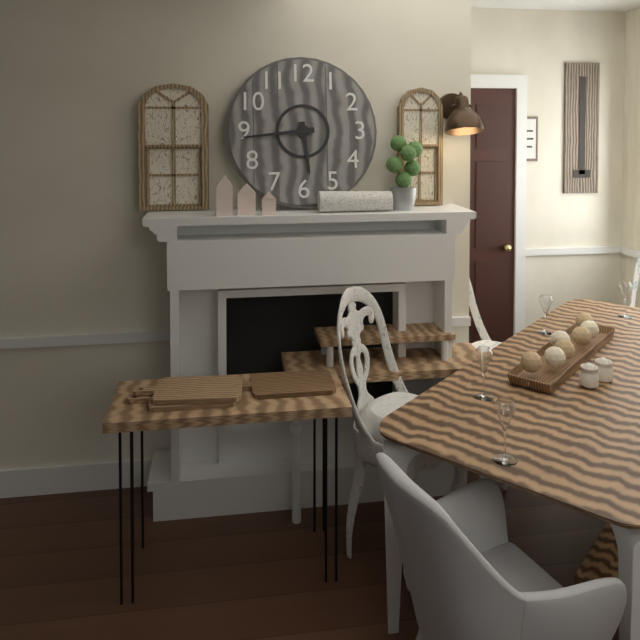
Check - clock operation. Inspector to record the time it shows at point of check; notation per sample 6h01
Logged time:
5h44
